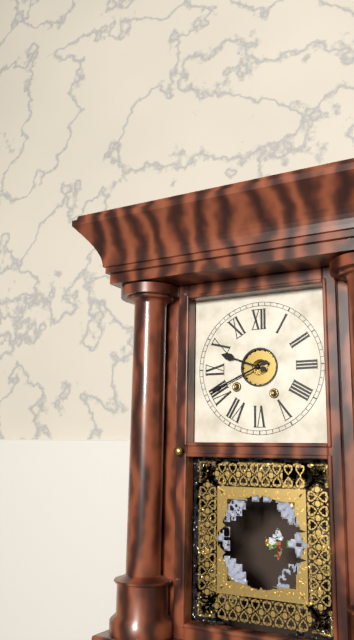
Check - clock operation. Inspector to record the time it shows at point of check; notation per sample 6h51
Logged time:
9h41
